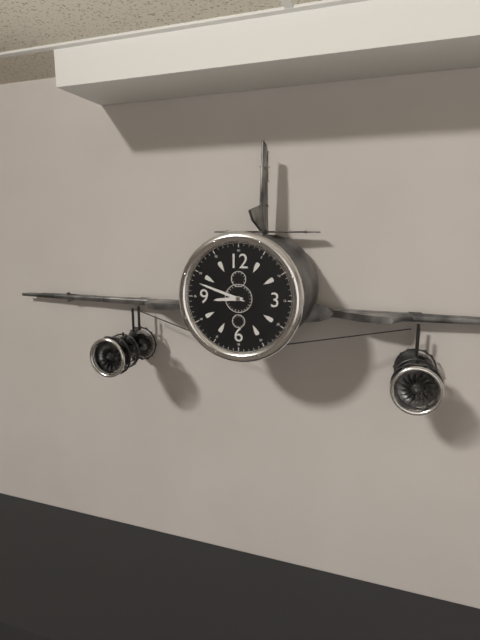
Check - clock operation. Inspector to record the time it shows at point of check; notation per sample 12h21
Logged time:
8h48
